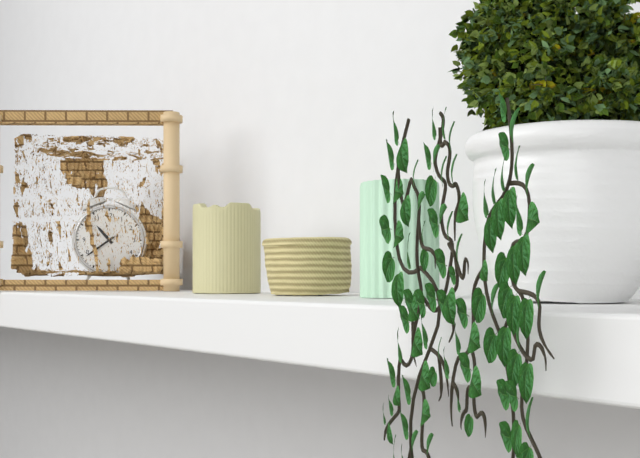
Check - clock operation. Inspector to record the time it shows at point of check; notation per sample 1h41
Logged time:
10h39
